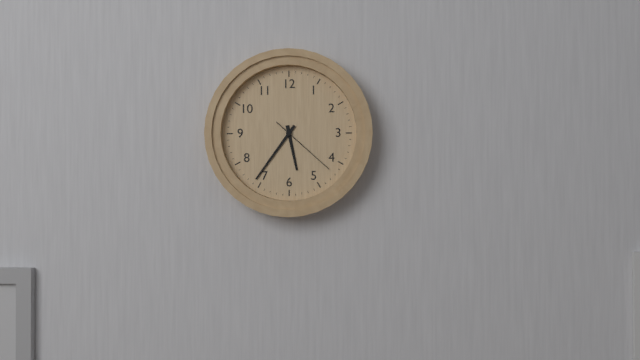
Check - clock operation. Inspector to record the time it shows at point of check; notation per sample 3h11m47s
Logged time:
5h36m22s
